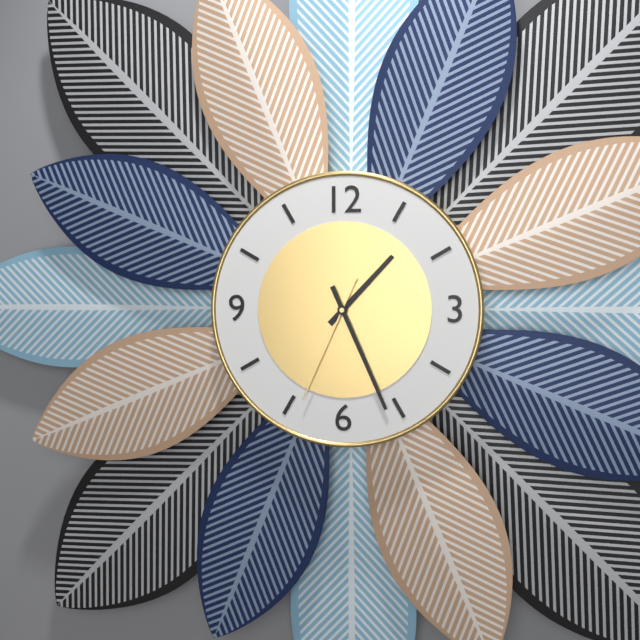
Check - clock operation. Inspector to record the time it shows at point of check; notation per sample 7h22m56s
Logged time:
1h26m34s
